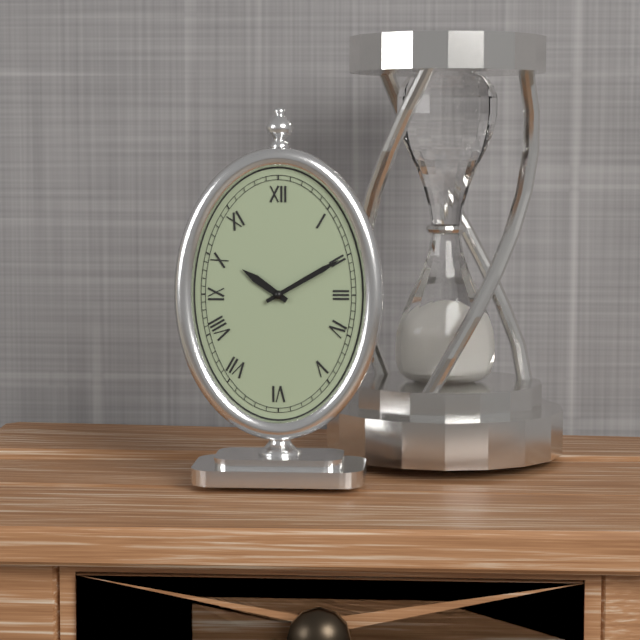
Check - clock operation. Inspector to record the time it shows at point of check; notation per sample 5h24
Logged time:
10h10
